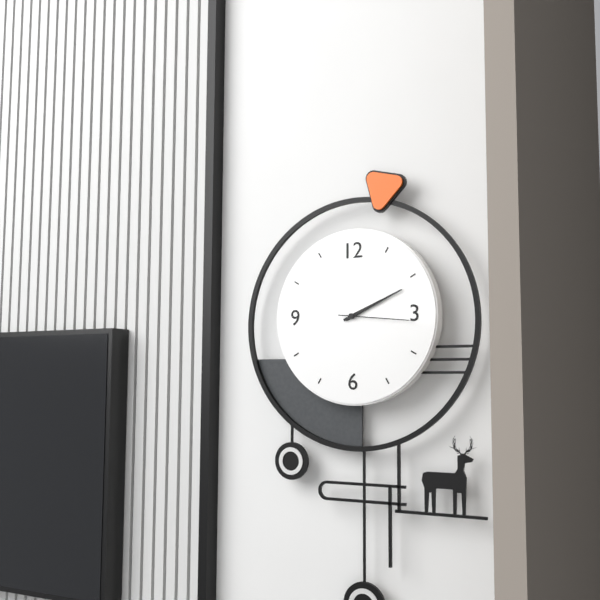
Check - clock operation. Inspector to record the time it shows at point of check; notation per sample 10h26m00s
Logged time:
2h11m16s
